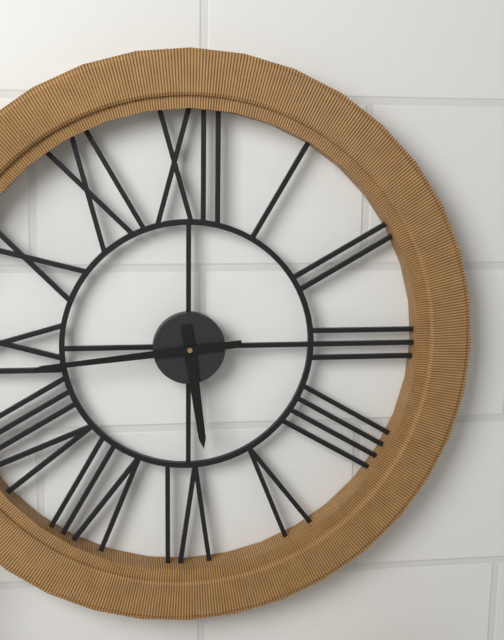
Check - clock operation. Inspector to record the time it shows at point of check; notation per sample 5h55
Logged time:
5h44
